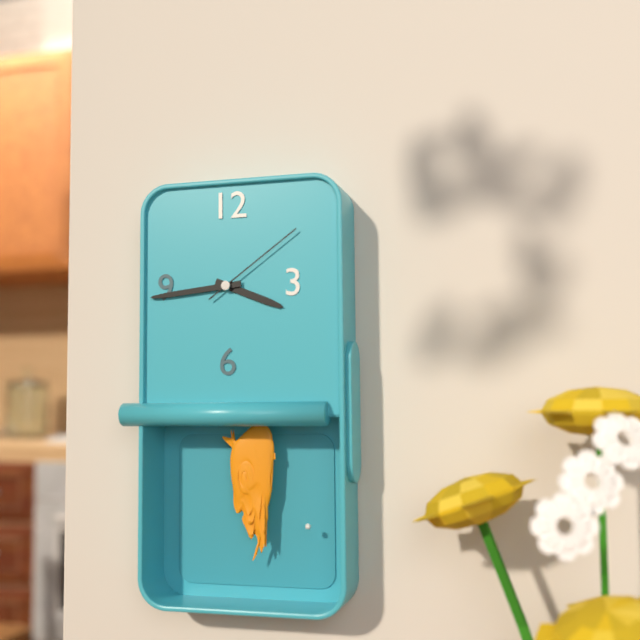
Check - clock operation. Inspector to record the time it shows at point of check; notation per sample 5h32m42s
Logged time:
3h44m09s
